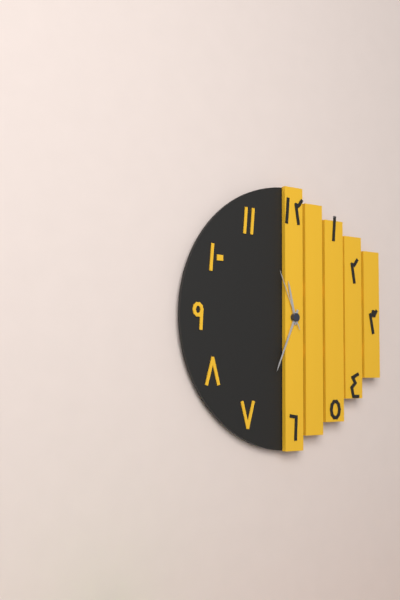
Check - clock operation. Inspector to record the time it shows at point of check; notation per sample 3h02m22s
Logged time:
11h34m56s
